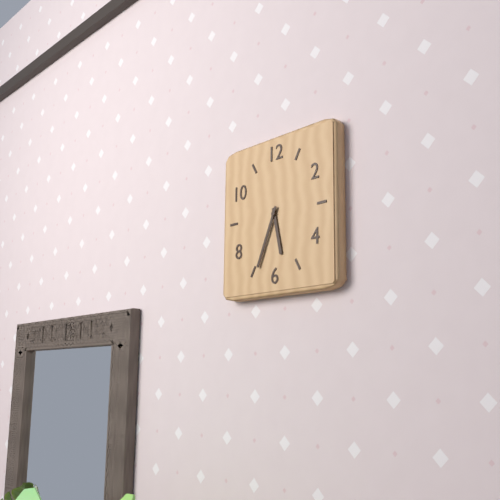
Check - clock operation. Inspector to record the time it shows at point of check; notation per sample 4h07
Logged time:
5h34
